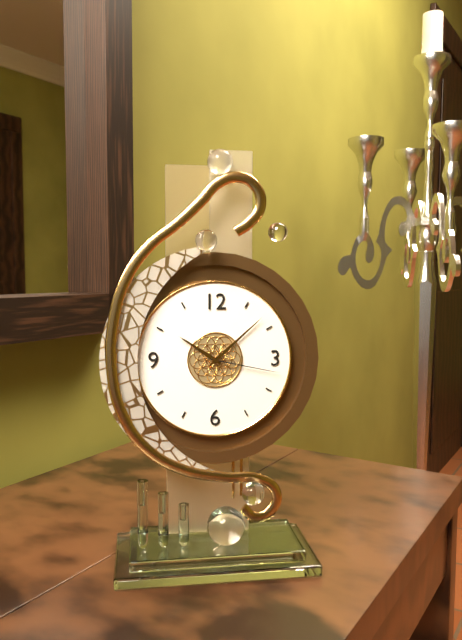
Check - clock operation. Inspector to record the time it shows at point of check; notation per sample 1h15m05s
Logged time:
10h08m17s
